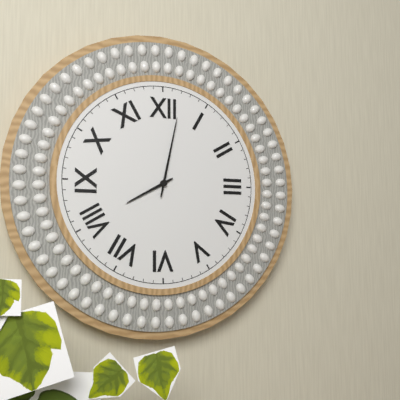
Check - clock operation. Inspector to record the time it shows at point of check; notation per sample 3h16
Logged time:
8h02
